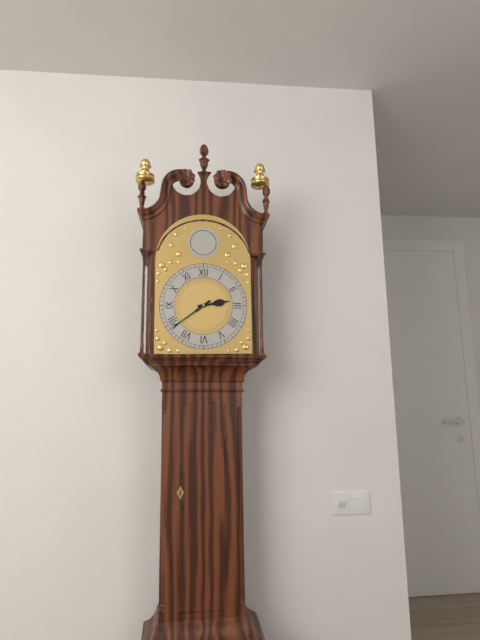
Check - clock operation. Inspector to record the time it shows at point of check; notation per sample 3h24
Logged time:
2h39
